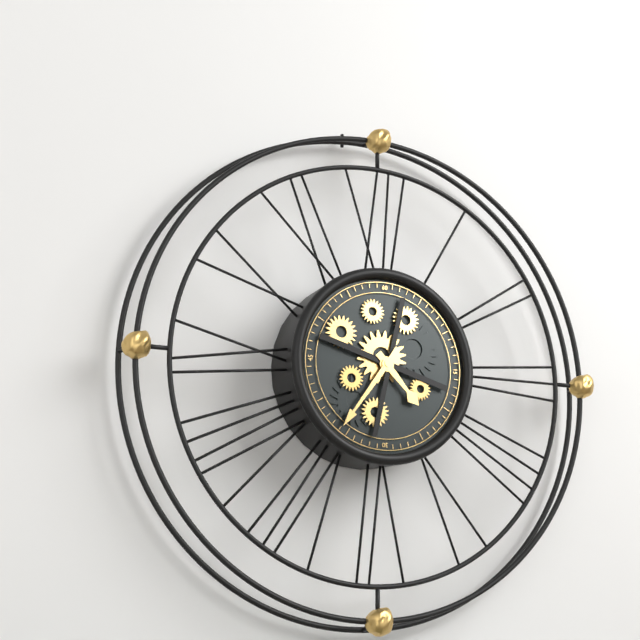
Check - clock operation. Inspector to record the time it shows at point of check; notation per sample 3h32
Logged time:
4h36
